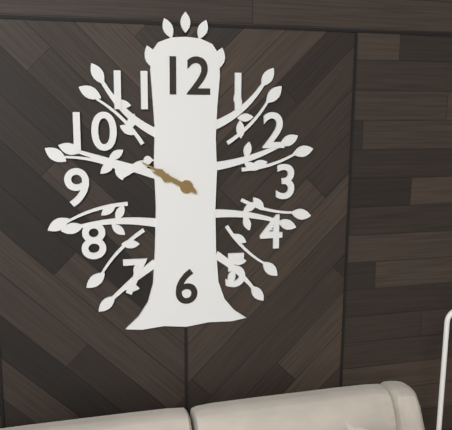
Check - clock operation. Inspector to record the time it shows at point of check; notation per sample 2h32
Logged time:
9h50
